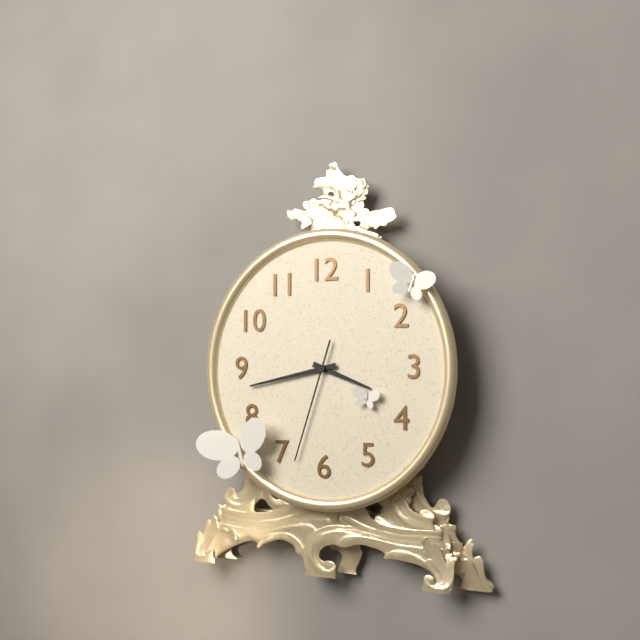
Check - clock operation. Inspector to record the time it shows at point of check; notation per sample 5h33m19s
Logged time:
3h43m33s
